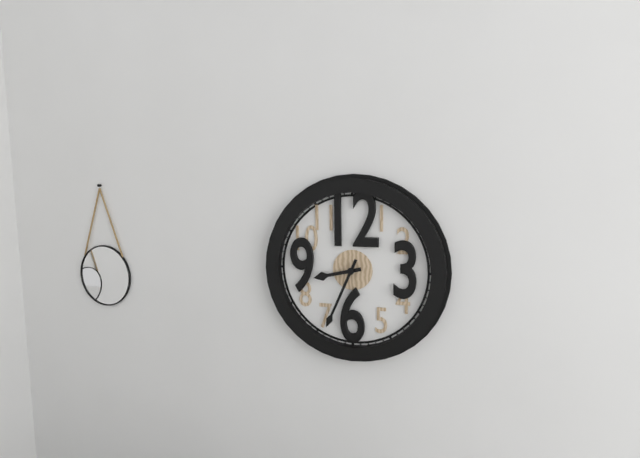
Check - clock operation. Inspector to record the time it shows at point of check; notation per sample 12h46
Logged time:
8h34
